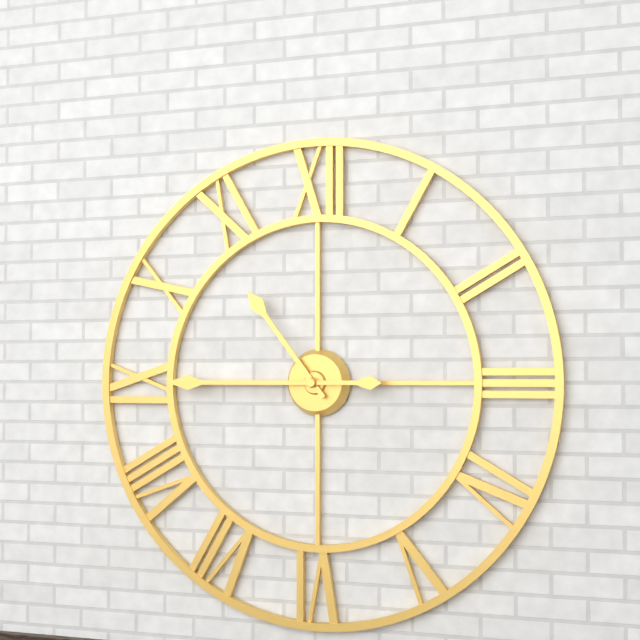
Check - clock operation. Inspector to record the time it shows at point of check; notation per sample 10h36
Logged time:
10h45
